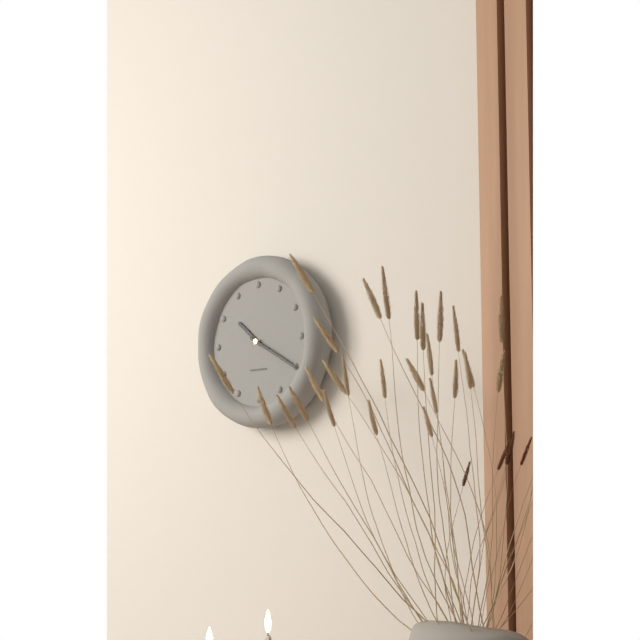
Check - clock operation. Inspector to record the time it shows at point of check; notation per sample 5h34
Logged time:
10h20
